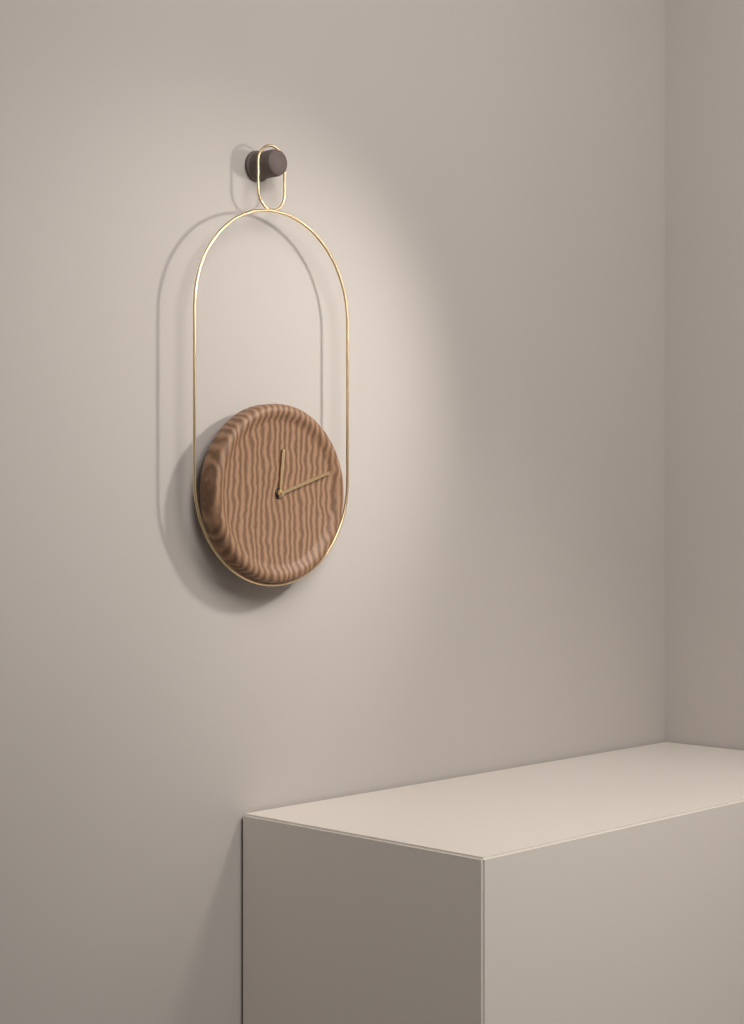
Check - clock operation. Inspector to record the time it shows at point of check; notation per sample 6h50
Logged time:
12h12
